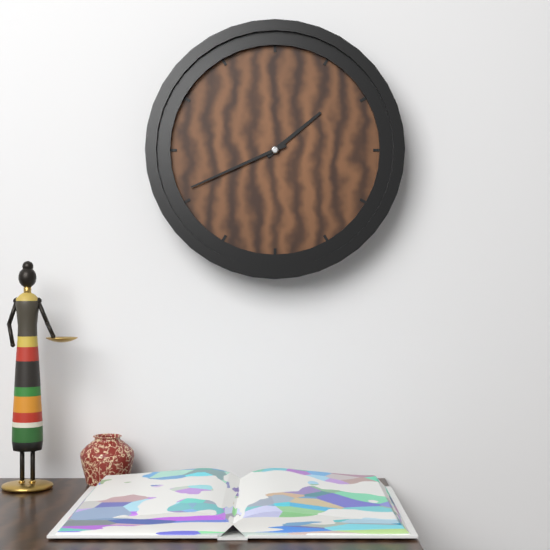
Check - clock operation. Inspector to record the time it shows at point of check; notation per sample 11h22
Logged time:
1h41
